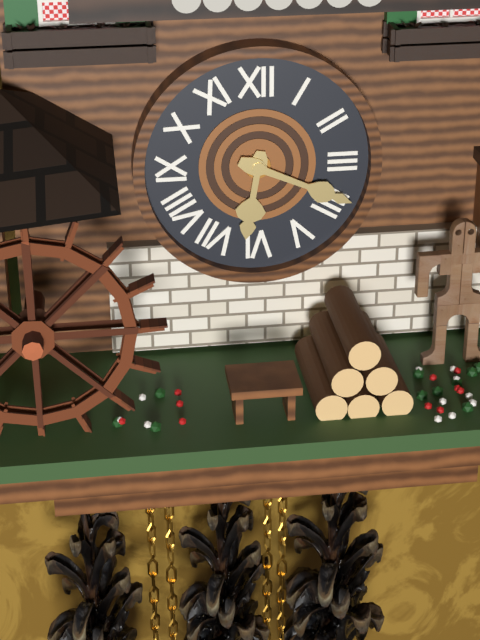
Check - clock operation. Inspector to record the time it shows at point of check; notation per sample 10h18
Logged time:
6h19
